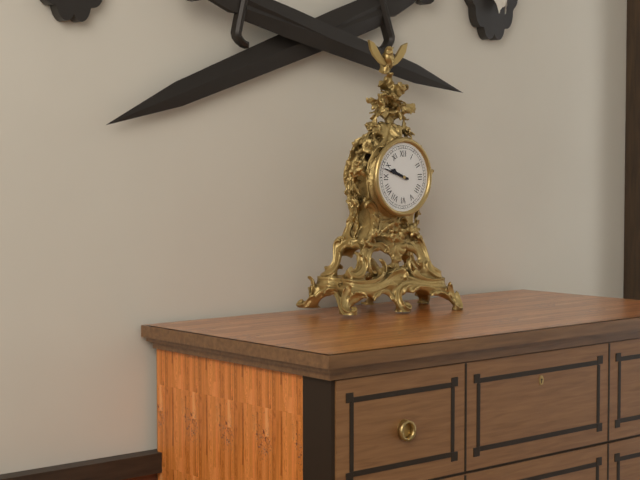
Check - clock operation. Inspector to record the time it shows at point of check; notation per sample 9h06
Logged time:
9h48
